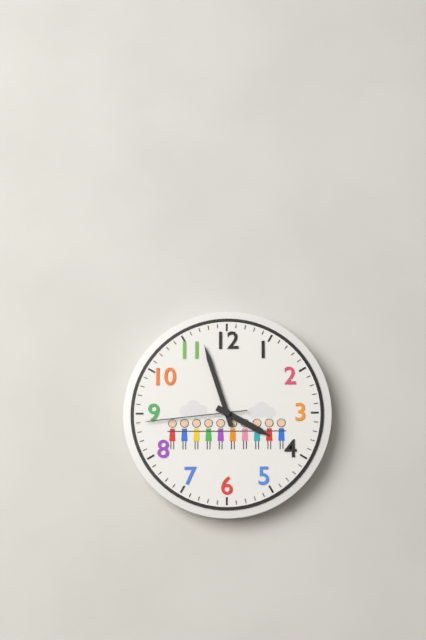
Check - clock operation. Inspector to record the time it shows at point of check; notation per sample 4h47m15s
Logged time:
3h57m44s
